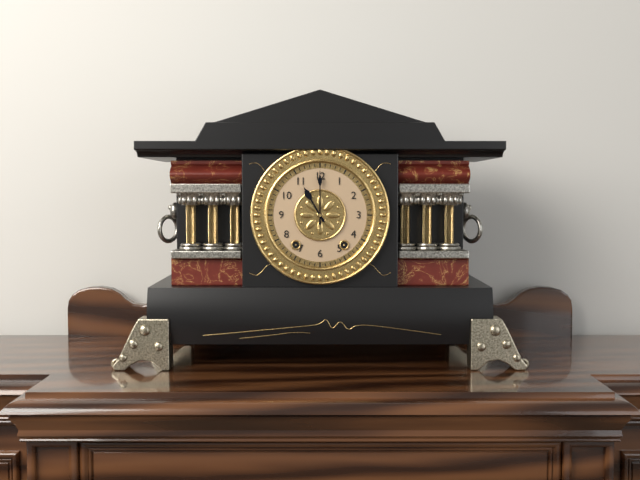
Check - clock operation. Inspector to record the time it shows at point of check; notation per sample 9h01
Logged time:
11h00
